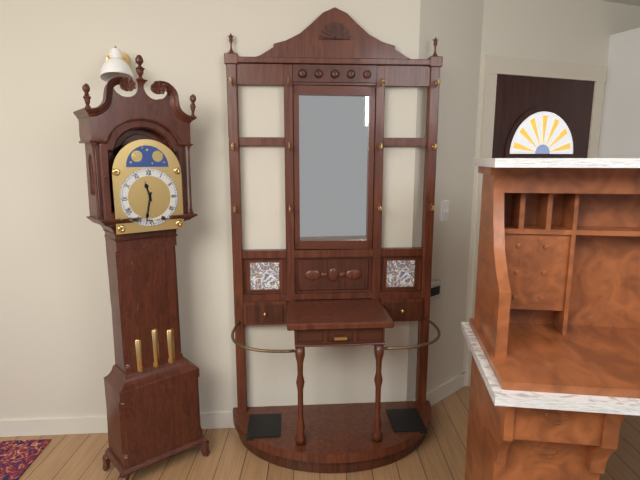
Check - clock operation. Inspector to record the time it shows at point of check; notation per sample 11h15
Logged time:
11h32
